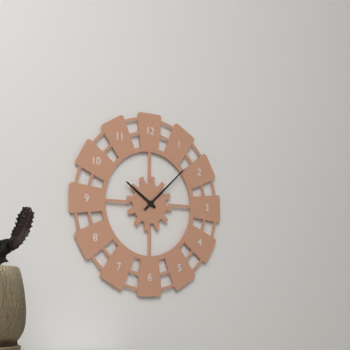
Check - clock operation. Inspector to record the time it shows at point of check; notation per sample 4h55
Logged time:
10h08
